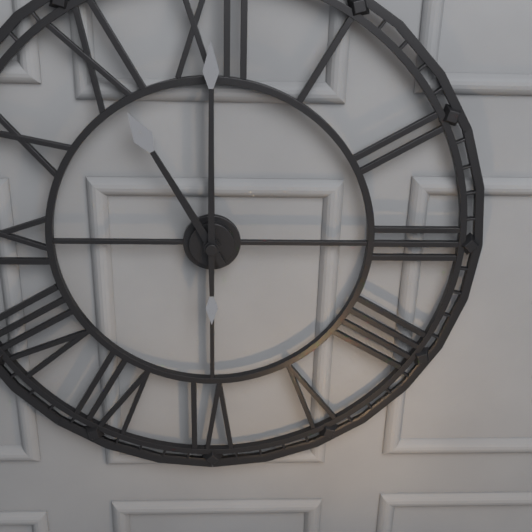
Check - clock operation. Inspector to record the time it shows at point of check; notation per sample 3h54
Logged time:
11h00
